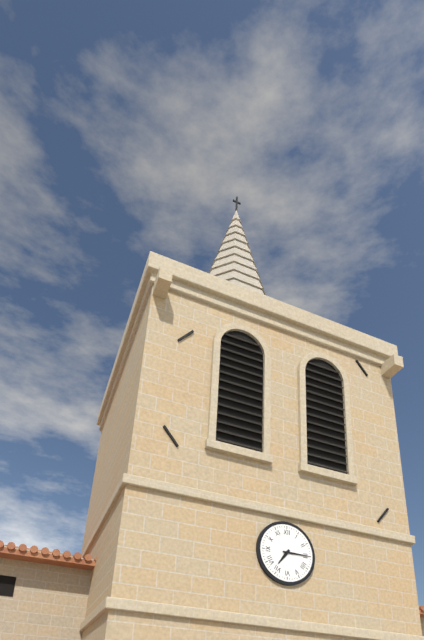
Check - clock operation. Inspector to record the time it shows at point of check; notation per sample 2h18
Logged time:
7h15
